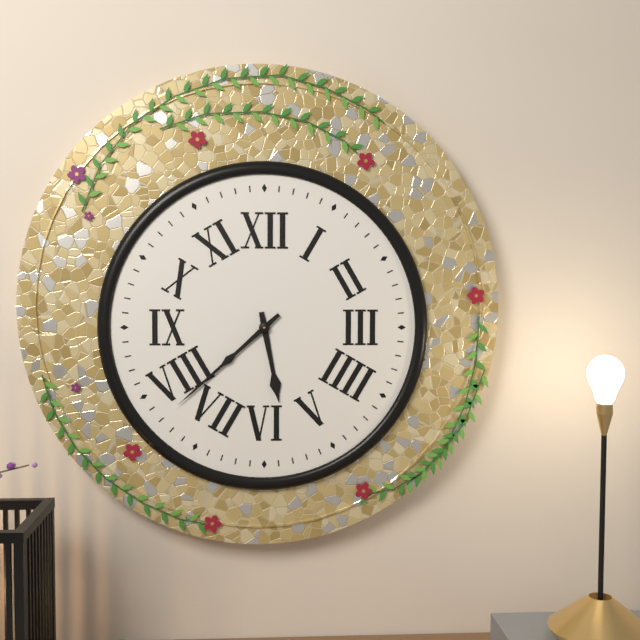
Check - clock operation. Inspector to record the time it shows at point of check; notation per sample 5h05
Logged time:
5h38
